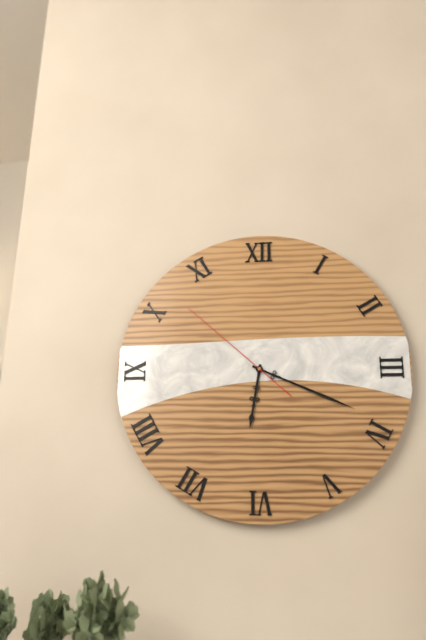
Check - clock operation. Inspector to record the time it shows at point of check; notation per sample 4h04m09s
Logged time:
6h19m52s
